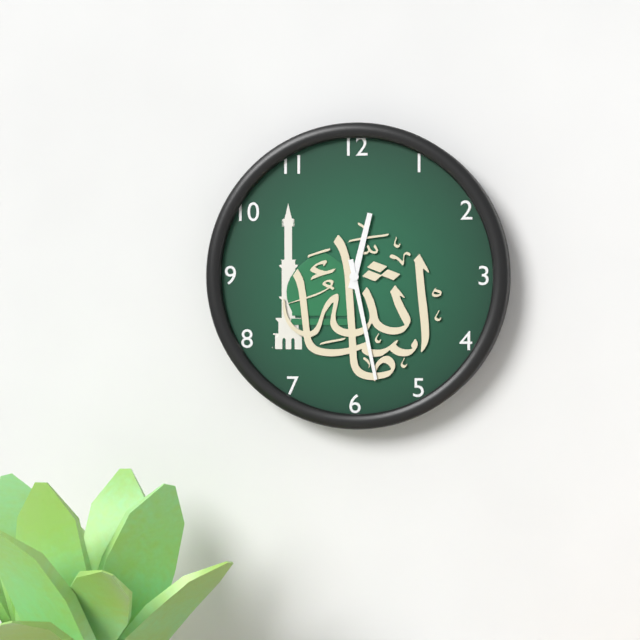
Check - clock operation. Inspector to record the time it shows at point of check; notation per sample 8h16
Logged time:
12h28
